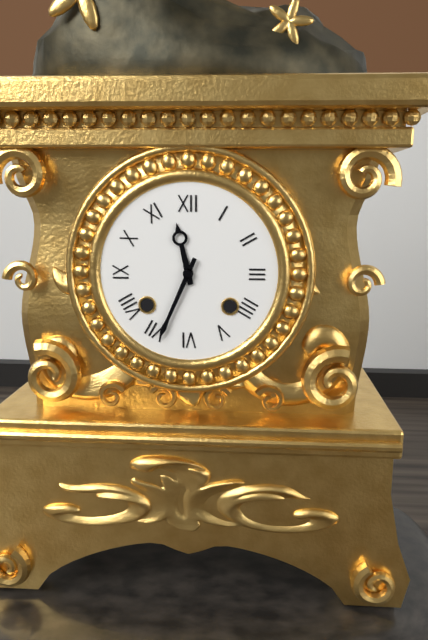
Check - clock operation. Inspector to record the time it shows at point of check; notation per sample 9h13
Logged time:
11h34
